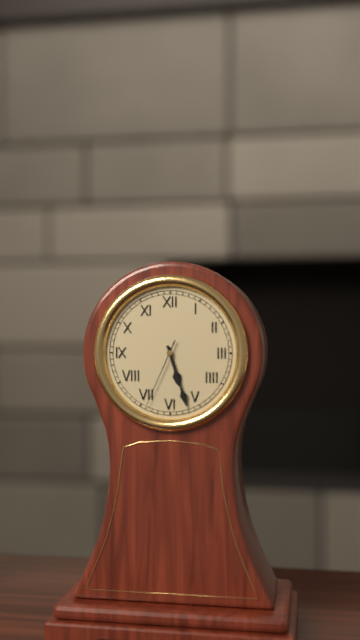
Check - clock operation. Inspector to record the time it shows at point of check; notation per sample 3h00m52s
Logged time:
5h27m34s
